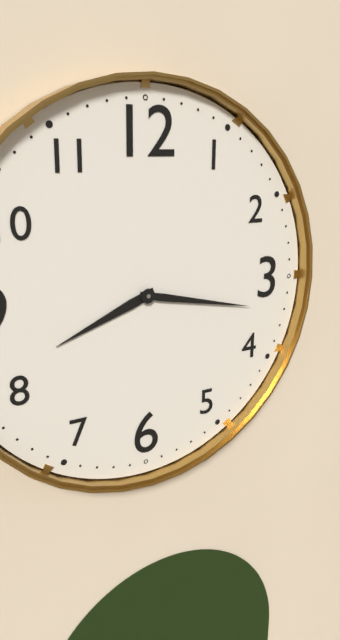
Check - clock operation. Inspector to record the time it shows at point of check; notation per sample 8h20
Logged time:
8h17
